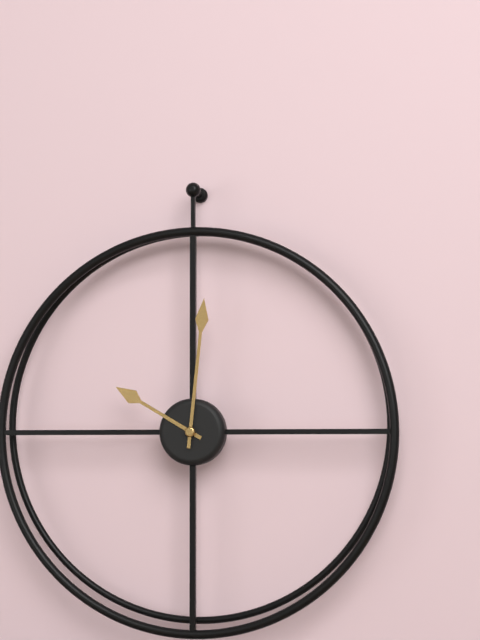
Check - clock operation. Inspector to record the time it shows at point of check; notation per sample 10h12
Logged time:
10h01
